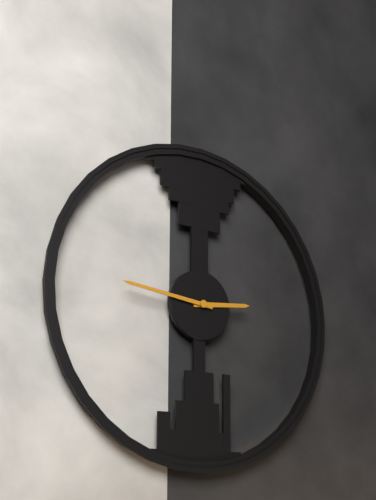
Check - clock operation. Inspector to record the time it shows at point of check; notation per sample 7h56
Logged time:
2h46
